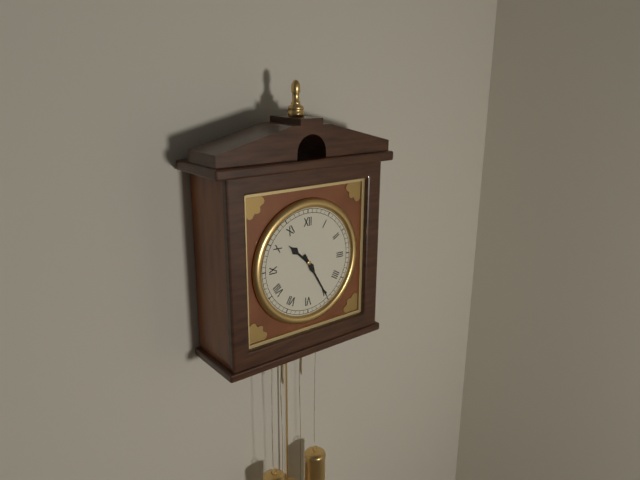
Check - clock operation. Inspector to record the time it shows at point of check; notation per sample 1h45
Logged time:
10h25
